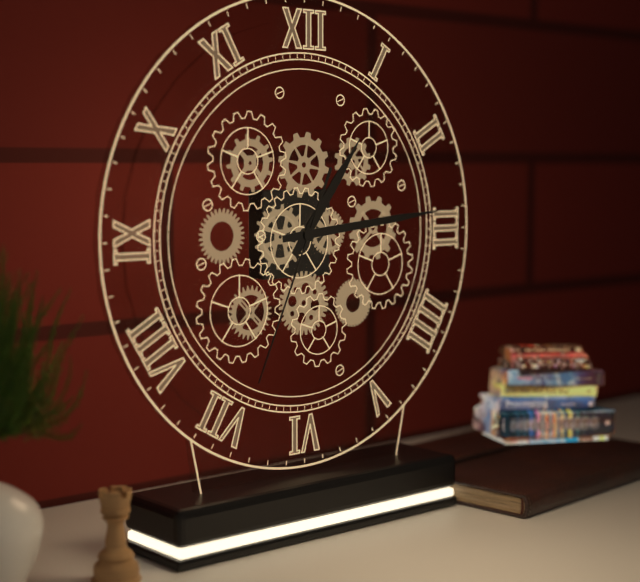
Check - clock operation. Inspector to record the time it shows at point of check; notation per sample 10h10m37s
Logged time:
1h14m34s
